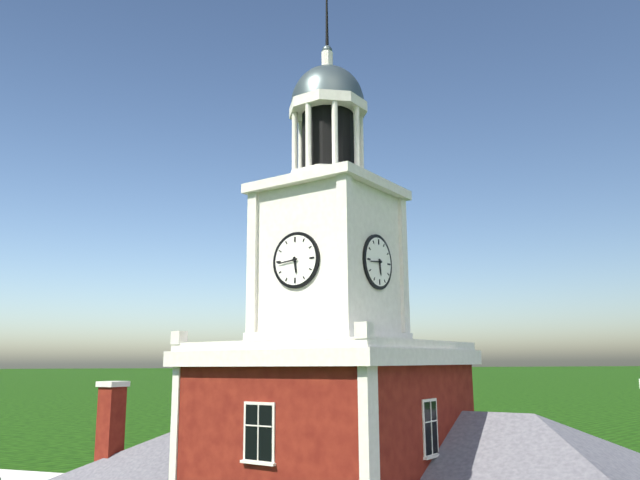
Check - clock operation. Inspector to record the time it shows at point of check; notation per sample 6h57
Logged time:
5h44
